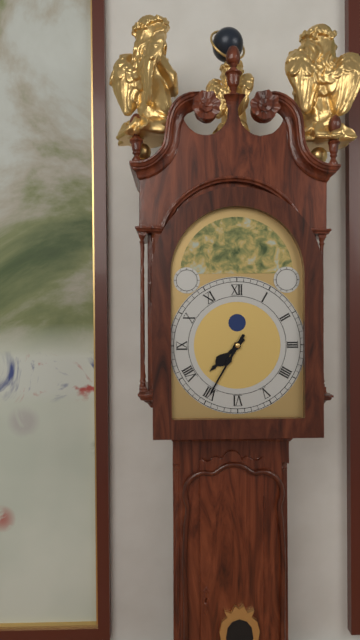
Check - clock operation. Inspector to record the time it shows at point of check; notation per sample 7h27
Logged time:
7h35
